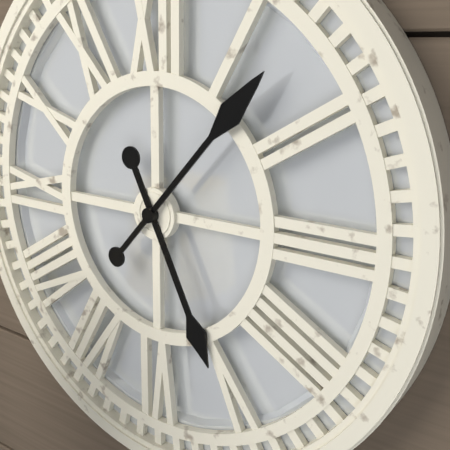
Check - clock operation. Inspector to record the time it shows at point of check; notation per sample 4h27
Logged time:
5h07
